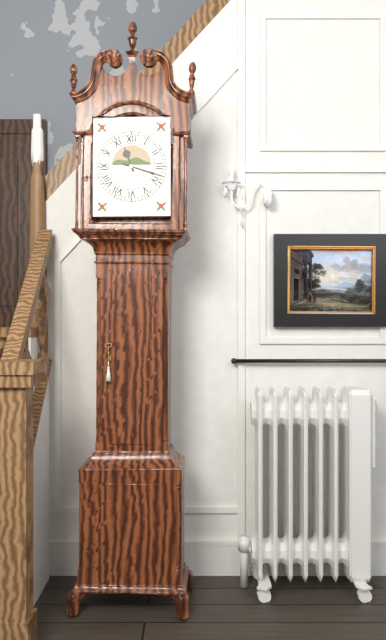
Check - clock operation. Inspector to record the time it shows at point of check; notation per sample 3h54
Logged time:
11h18
